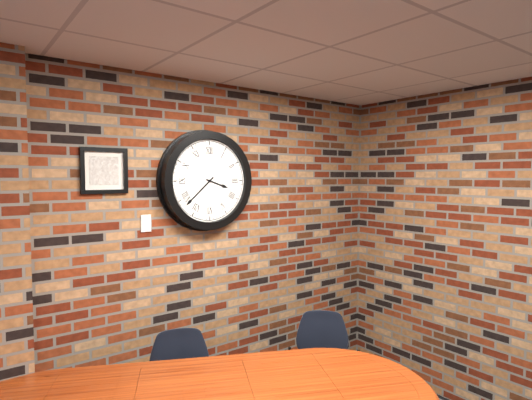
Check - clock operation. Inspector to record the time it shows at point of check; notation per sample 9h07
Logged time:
3h38
